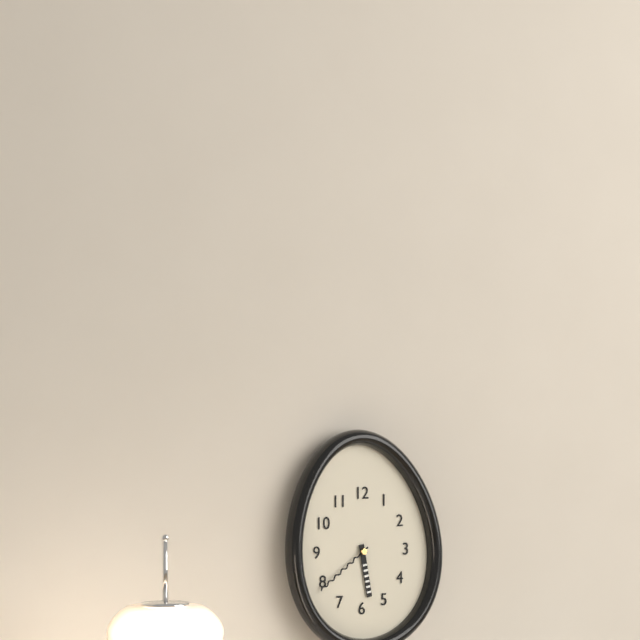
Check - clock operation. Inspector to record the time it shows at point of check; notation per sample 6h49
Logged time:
5h39
